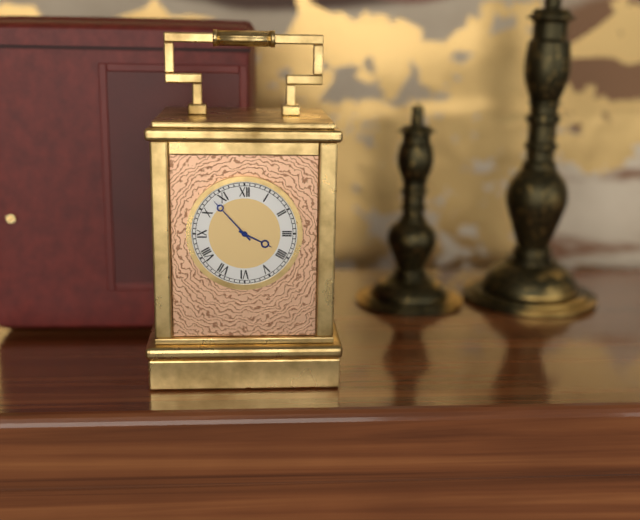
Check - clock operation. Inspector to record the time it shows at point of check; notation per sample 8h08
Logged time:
3h53
